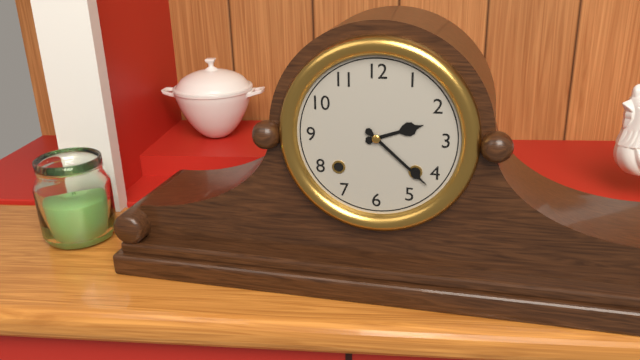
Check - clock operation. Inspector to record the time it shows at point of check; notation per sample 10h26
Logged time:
2h22
